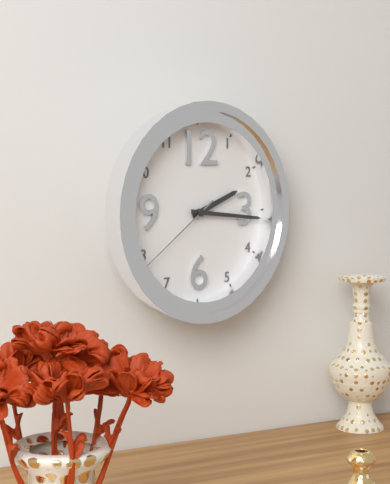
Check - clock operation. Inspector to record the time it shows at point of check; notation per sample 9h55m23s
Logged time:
2h16m39s
